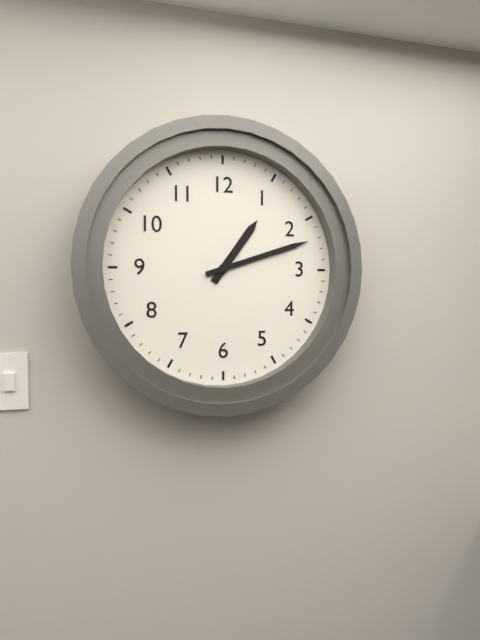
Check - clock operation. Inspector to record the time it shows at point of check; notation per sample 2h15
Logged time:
1h12
